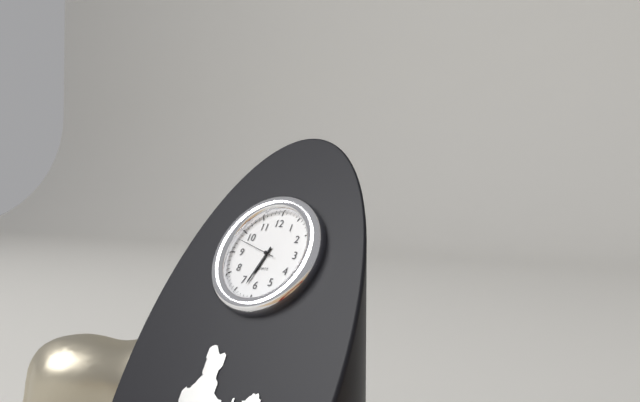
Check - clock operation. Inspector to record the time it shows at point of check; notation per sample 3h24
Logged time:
6h33
